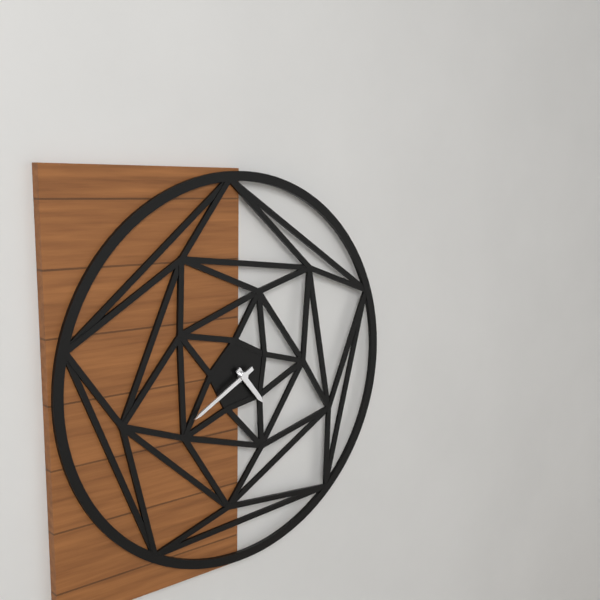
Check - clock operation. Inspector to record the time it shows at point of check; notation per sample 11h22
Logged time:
4h40
